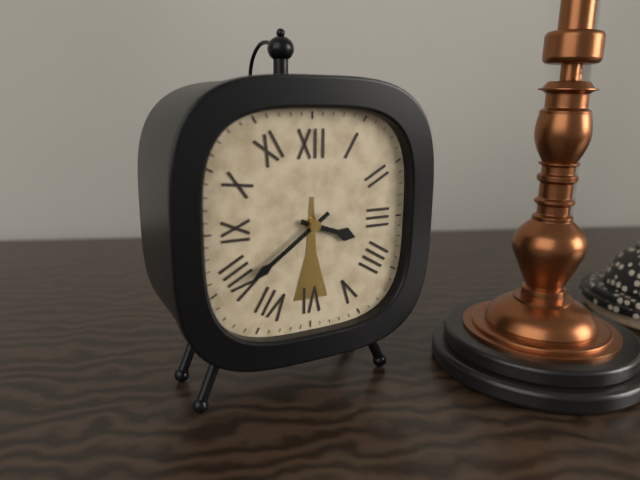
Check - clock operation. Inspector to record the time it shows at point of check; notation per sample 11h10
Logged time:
3h39
